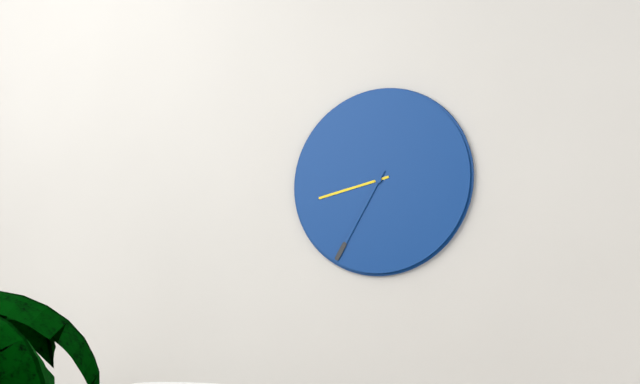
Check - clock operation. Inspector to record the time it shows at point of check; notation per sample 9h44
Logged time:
8h35
